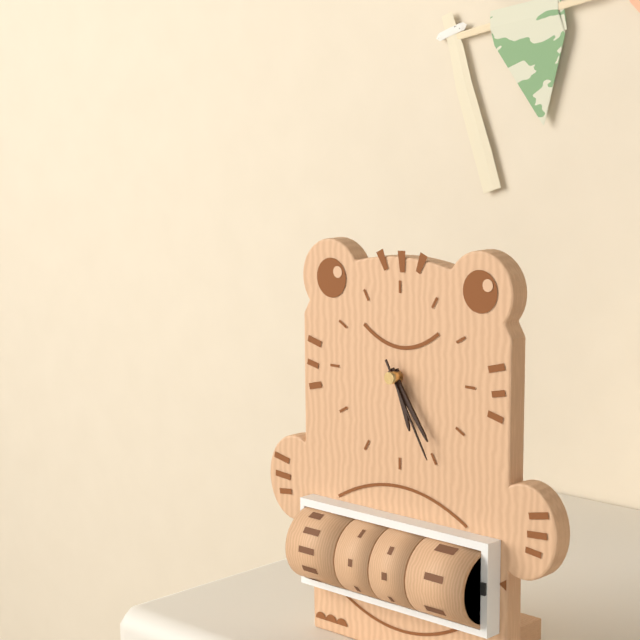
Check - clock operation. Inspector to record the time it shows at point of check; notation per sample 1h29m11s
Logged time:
5h24m25s
